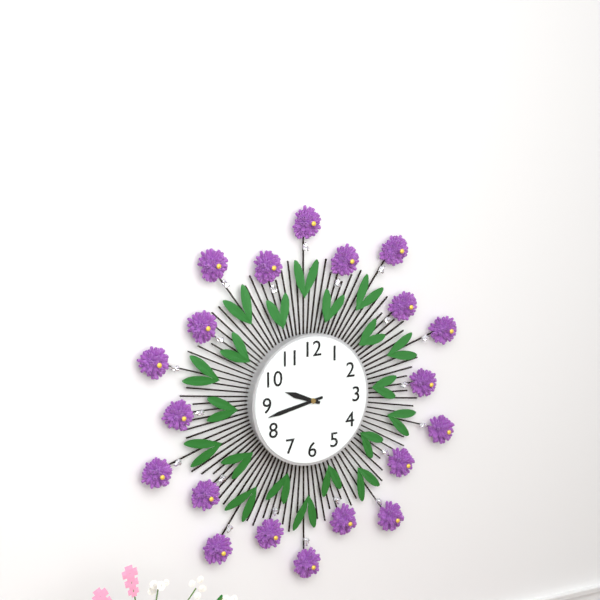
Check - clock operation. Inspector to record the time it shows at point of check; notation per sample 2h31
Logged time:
9h43
